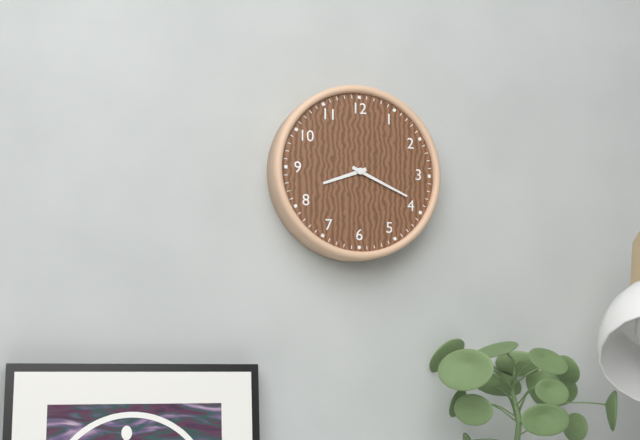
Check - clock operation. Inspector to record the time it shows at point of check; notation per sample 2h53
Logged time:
8h19
